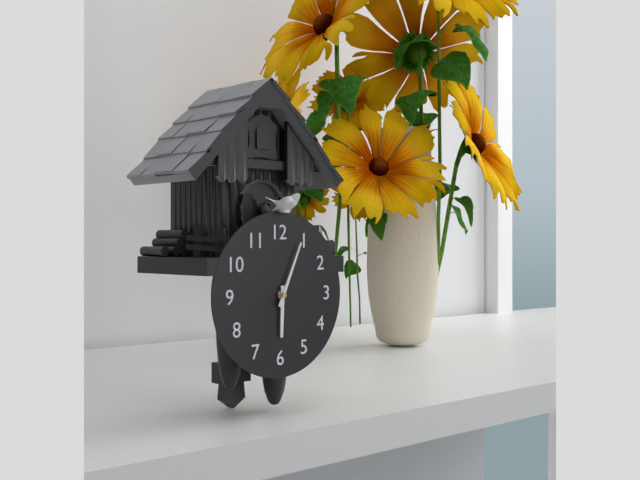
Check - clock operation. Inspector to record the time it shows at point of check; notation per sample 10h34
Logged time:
6h04
